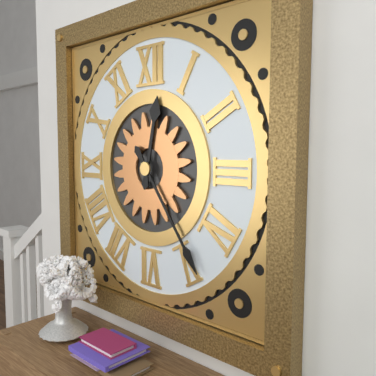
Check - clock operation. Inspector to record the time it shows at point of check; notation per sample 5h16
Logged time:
12h24
